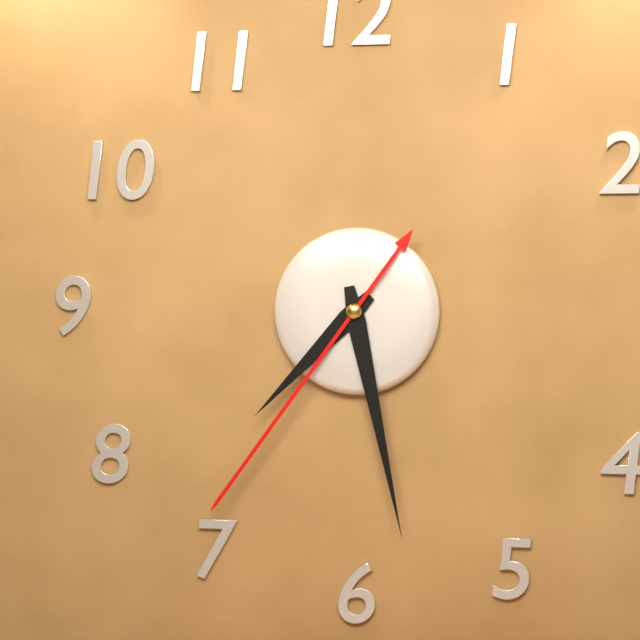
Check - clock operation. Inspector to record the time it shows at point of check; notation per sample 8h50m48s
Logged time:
7h28m36s
